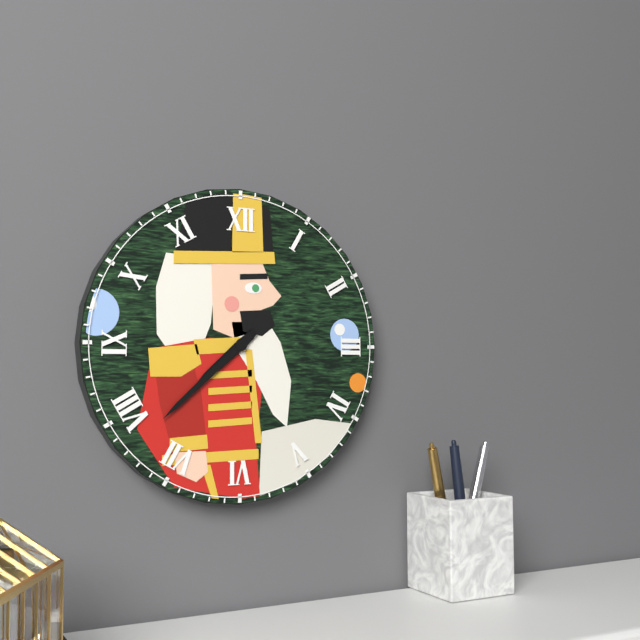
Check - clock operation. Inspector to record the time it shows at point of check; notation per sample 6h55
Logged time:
7h38
